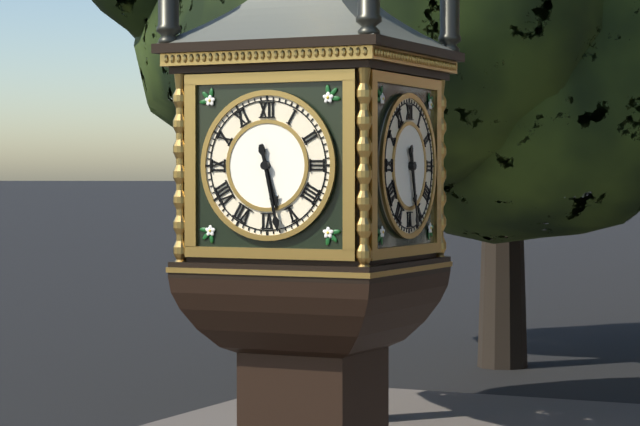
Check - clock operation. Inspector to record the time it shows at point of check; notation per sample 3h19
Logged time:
5h28
